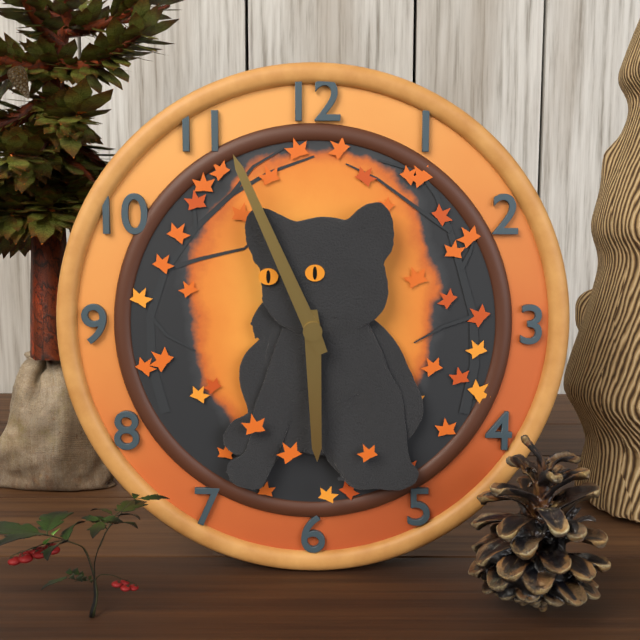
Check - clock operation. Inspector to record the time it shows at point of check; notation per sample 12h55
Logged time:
5h56
